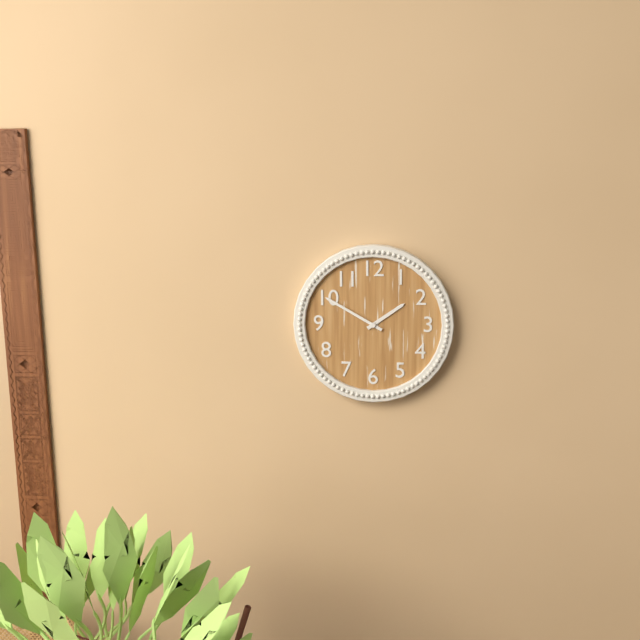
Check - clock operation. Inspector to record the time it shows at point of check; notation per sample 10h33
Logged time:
1h50
